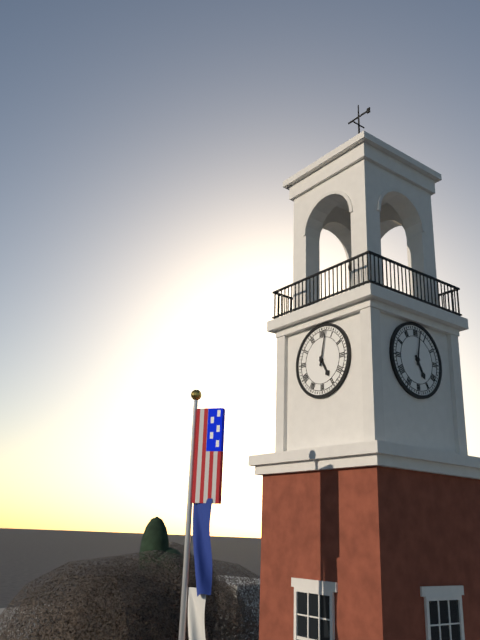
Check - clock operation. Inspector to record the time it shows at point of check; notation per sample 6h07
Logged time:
5h02
